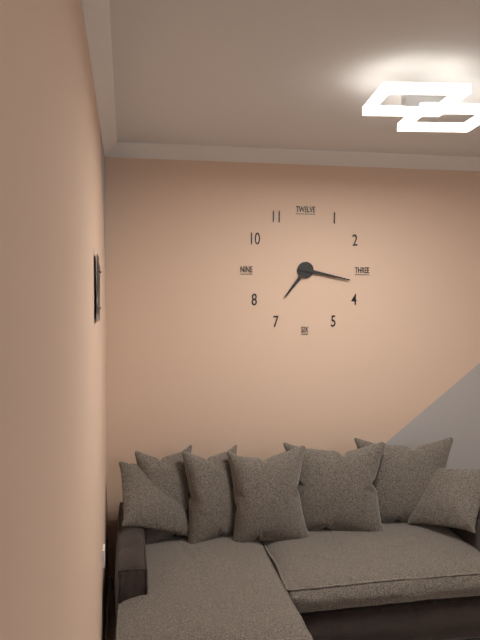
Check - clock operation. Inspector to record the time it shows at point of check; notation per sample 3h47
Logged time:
7h17
